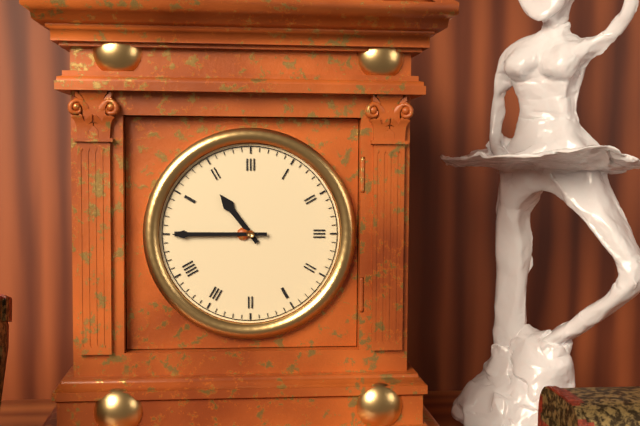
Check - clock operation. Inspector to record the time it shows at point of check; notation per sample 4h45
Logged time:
10h45
